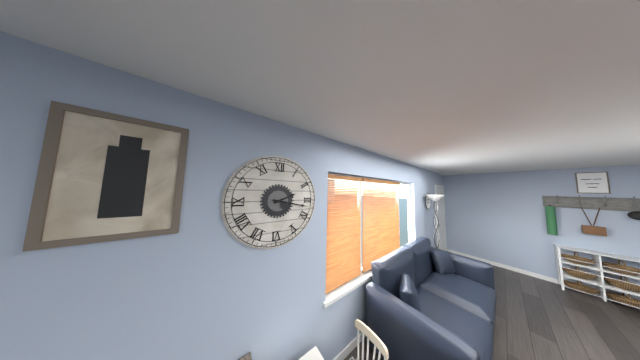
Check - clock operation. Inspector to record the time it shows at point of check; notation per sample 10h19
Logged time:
2h17
